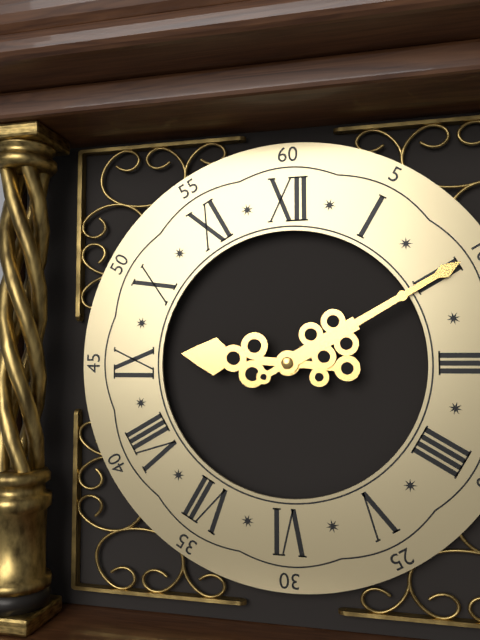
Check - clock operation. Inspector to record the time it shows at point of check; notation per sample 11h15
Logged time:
9h10
